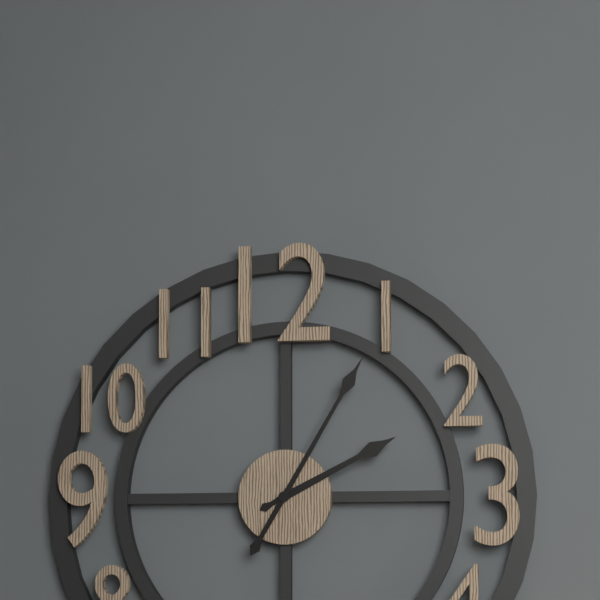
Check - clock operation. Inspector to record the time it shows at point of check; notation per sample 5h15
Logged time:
2h05
